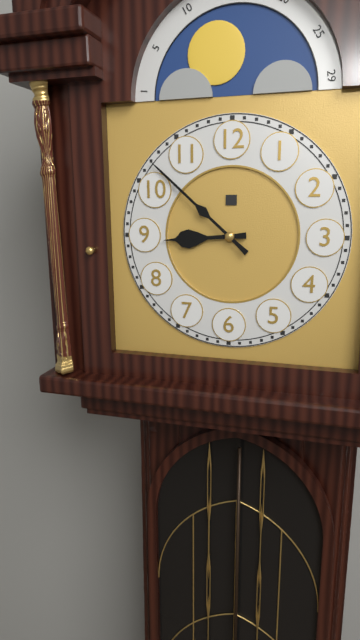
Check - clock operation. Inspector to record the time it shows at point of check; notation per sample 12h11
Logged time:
8h52
